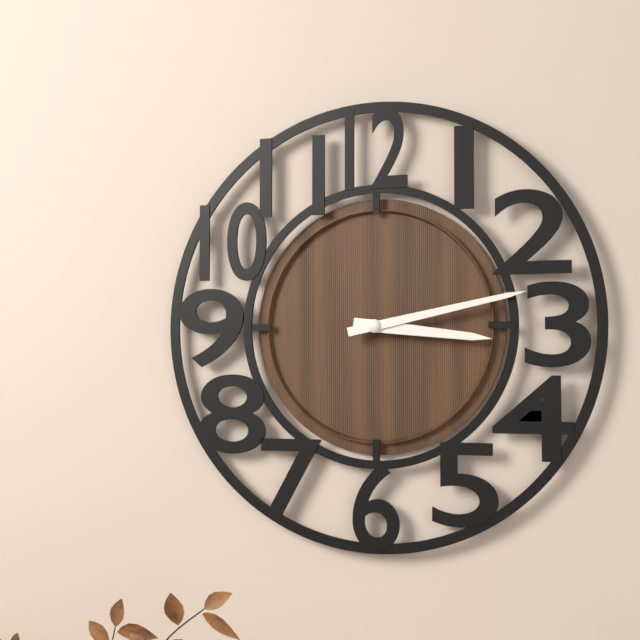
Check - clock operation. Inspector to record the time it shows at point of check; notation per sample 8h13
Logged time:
3h13
